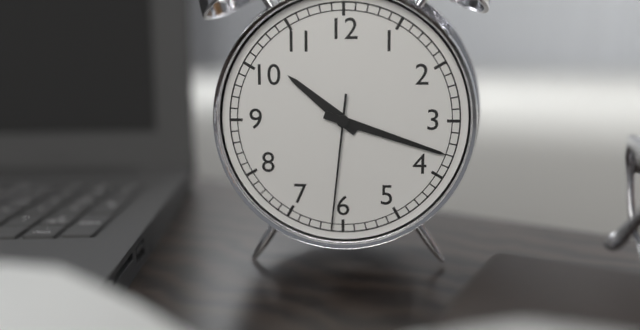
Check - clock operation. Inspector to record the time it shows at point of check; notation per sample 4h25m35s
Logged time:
10h18m31s
